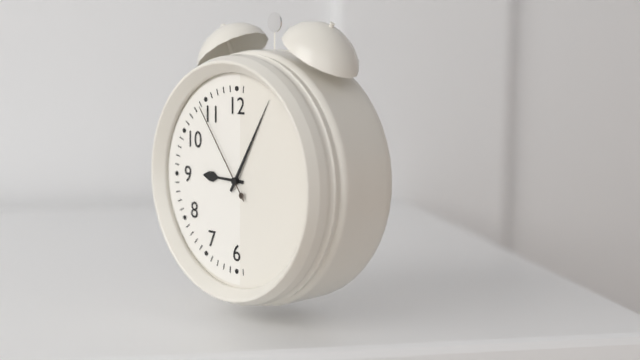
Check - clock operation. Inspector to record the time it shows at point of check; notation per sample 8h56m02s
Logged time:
9h05m54s
